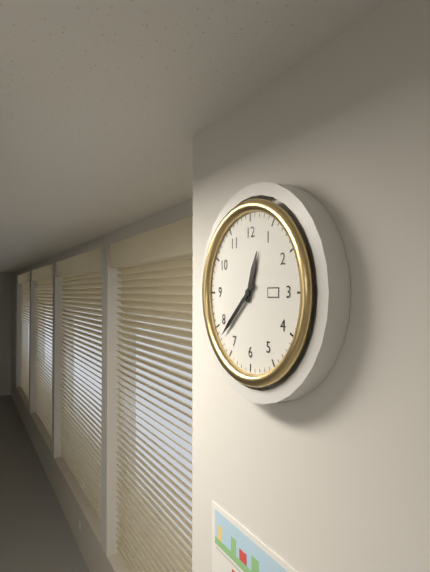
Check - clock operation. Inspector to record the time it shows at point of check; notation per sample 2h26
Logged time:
12h38
